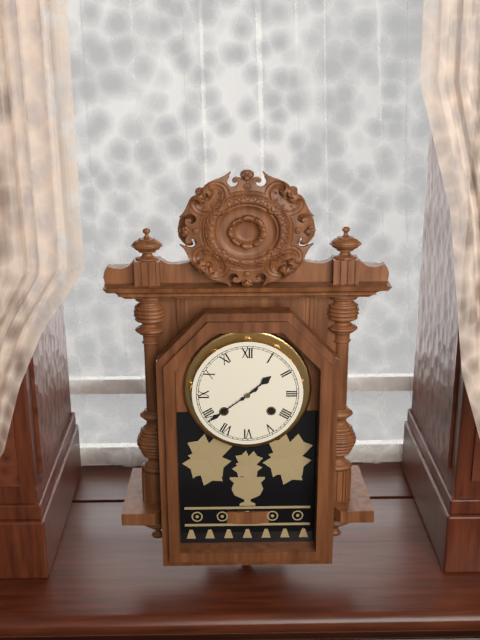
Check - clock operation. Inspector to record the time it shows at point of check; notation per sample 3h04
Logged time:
1h39
